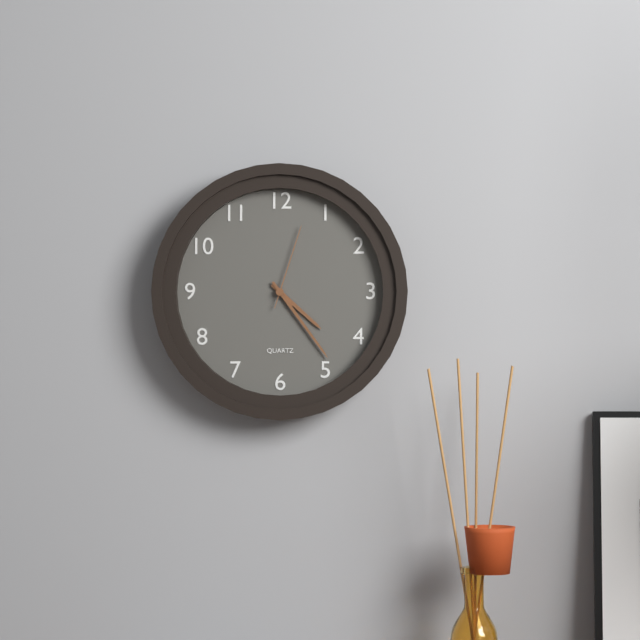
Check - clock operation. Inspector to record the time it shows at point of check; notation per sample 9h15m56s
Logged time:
4h24m03s
